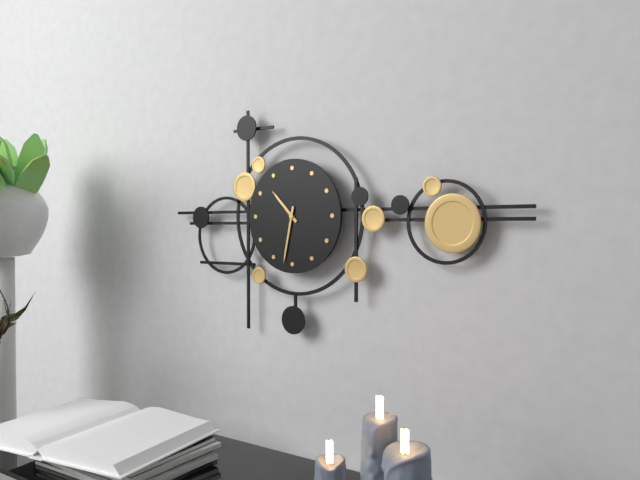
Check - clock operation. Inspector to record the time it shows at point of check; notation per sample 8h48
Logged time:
10h32
